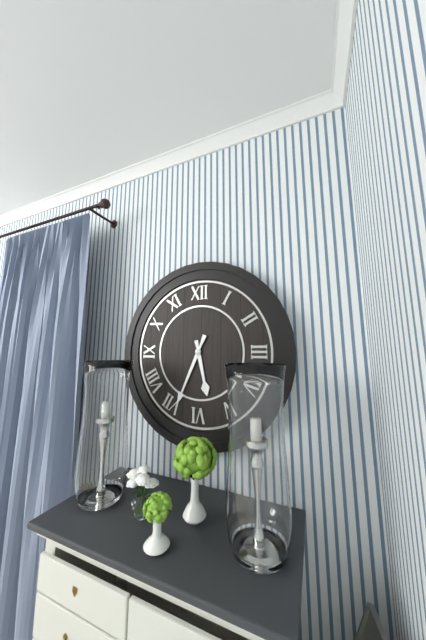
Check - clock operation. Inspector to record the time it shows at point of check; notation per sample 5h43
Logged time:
5h34
